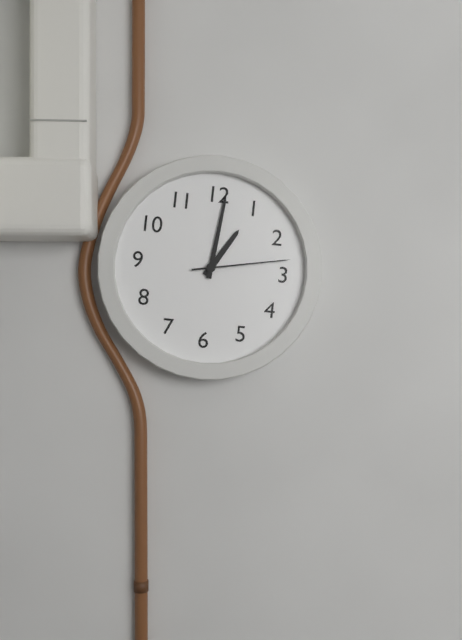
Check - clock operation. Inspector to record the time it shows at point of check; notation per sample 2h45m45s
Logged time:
1h01m13s
